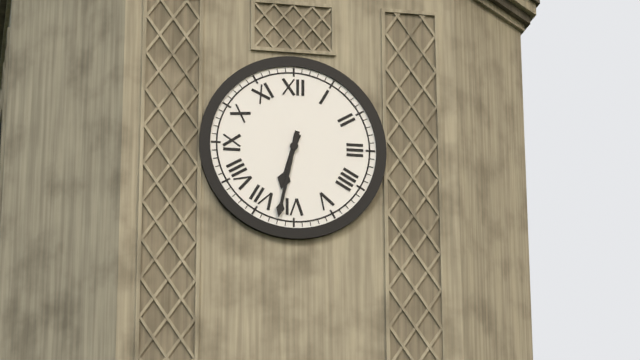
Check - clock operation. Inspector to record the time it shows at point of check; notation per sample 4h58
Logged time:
6h32
